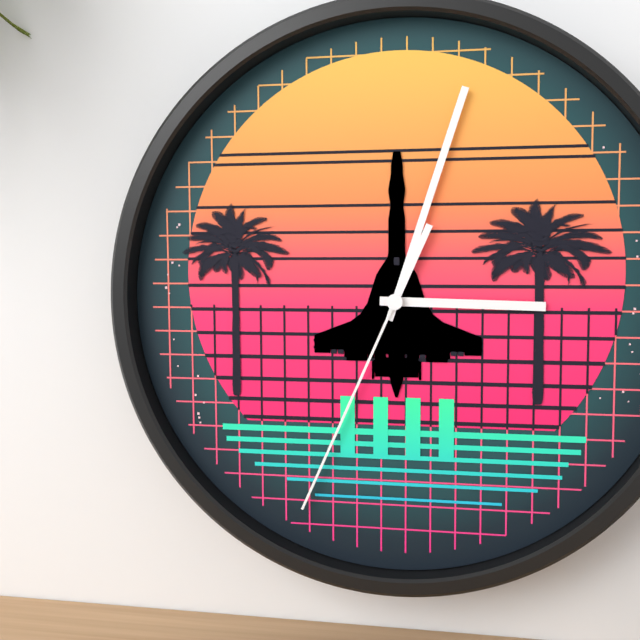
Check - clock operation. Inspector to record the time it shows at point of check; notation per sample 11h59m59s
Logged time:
3h03m34s
